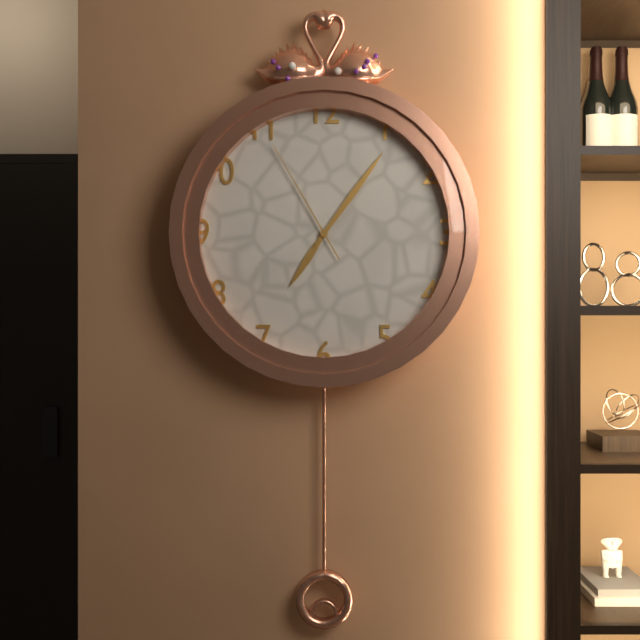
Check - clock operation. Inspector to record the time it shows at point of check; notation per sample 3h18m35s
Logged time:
7h06m55s
